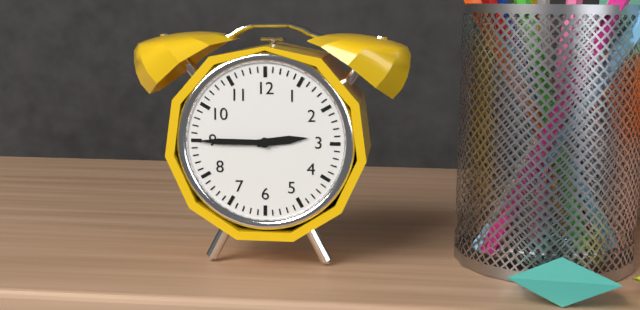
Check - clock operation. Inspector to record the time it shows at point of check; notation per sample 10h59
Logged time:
2h45
